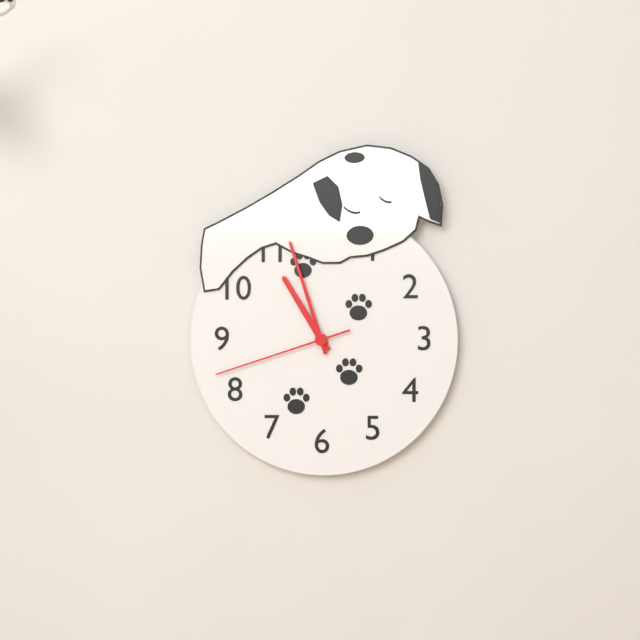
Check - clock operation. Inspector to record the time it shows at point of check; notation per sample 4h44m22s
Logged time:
10h57m42s
